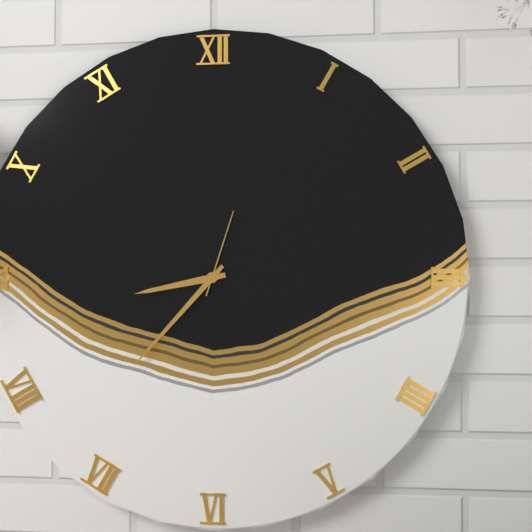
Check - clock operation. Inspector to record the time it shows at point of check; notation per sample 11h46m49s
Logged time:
8h37m03s
